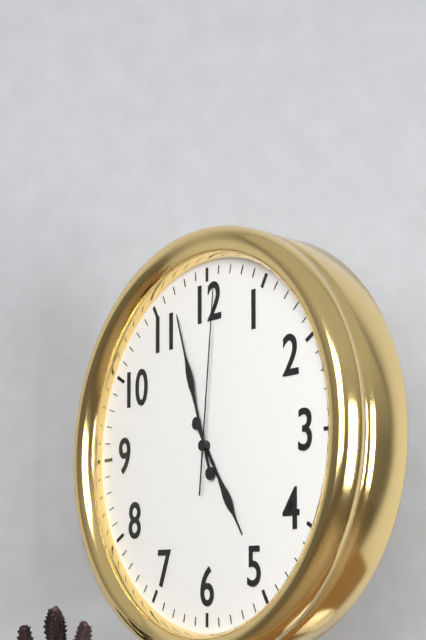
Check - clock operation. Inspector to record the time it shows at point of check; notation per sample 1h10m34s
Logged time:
4h57m01s
